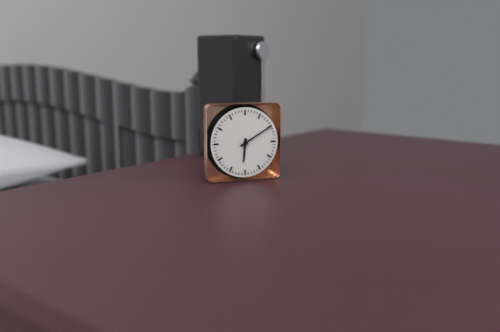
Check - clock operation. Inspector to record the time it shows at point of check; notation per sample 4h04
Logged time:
6h10
